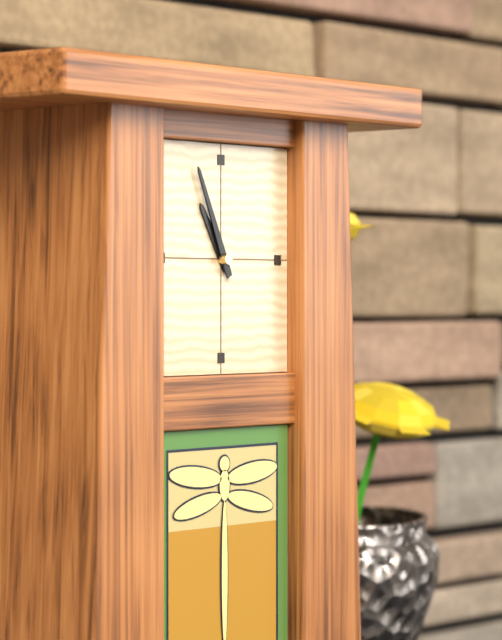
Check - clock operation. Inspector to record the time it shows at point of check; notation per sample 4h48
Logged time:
10h56
